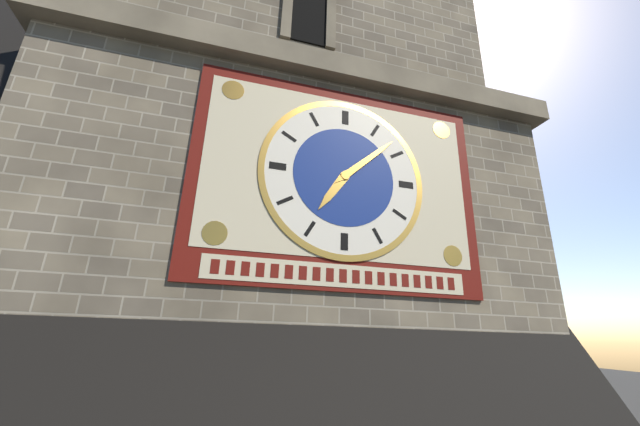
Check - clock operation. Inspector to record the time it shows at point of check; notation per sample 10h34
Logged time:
7h08
